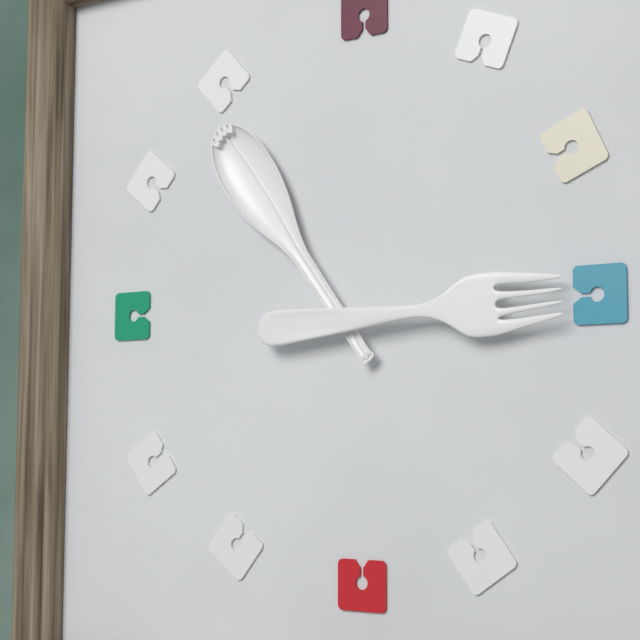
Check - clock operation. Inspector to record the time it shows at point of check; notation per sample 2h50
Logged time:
2h54
